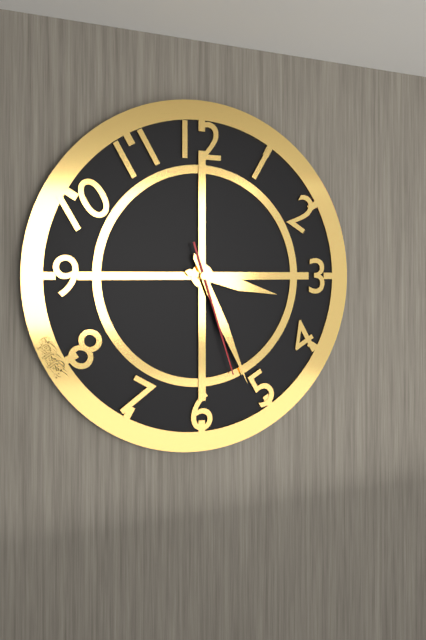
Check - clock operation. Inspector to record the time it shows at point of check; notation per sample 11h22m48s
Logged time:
3h26m27s
